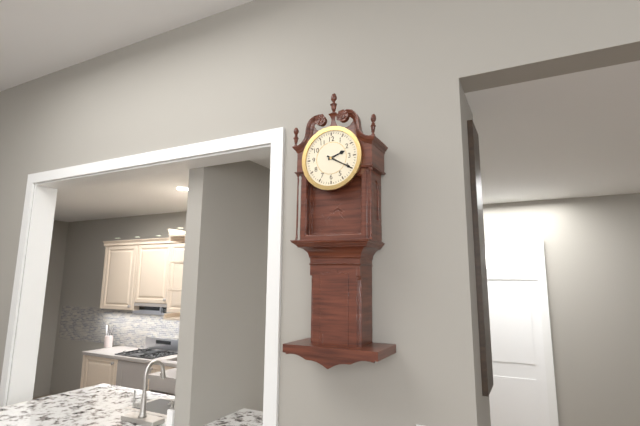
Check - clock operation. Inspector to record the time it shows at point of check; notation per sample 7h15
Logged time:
2h20
